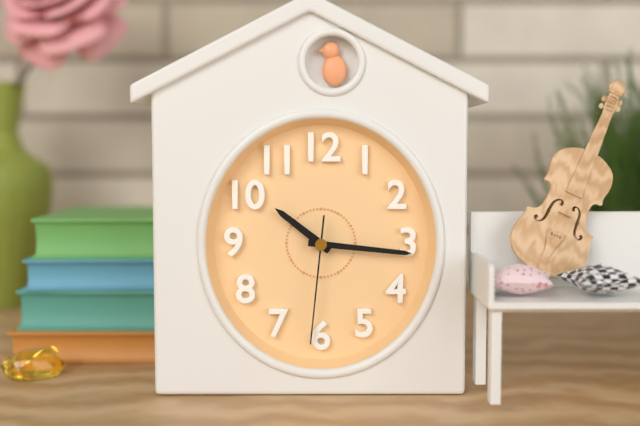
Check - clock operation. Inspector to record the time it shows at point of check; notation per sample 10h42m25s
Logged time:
10h16m31s
